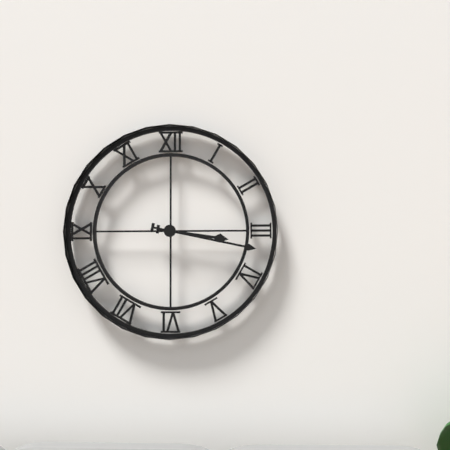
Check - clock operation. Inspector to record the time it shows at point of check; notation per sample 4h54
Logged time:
3h17
